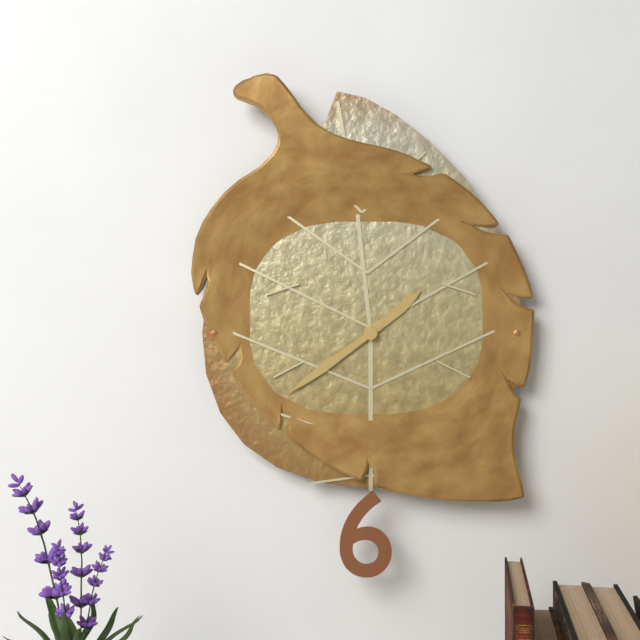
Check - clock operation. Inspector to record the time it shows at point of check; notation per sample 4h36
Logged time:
1h39
